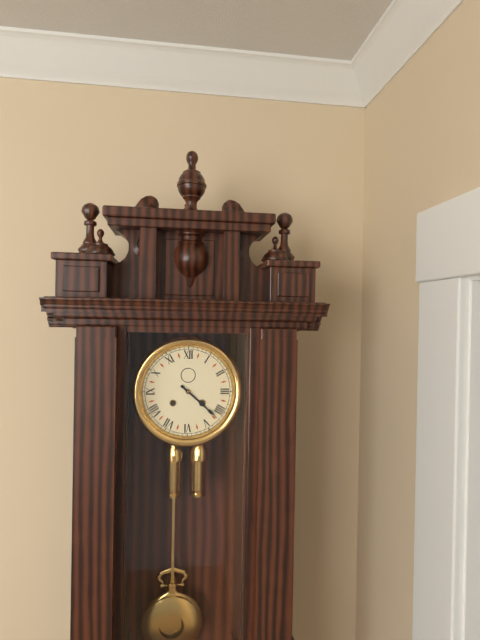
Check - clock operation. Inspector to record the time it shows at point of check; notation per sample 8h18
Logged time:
4h22
